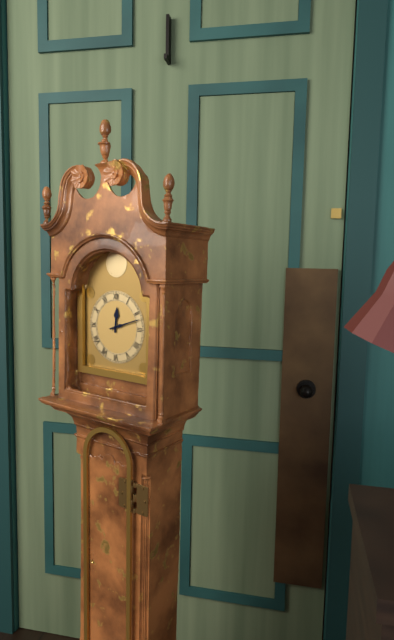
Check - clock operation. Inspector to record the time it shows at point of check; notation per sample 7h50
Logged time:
12h12
